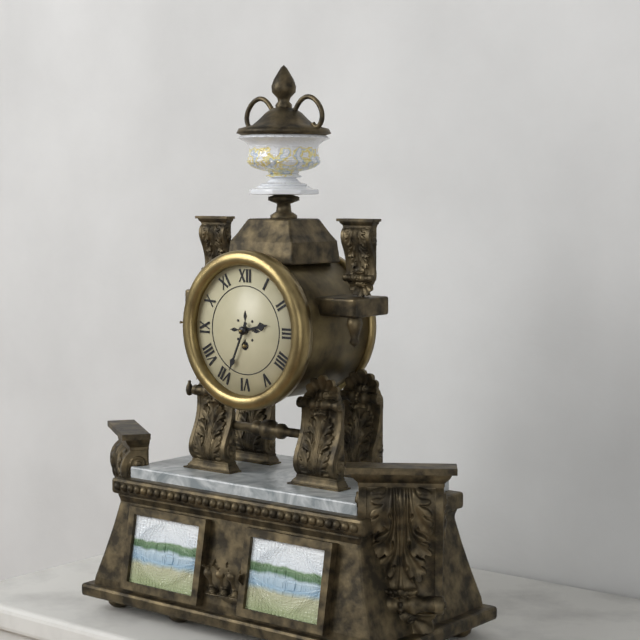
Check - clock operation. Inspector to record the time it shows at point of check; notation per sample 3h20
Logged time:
2h34
